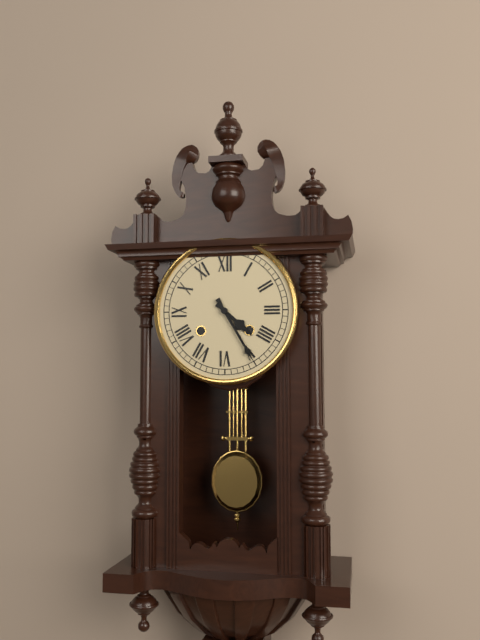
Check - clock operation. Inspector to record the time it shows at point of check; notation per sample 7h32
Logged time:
4h25
